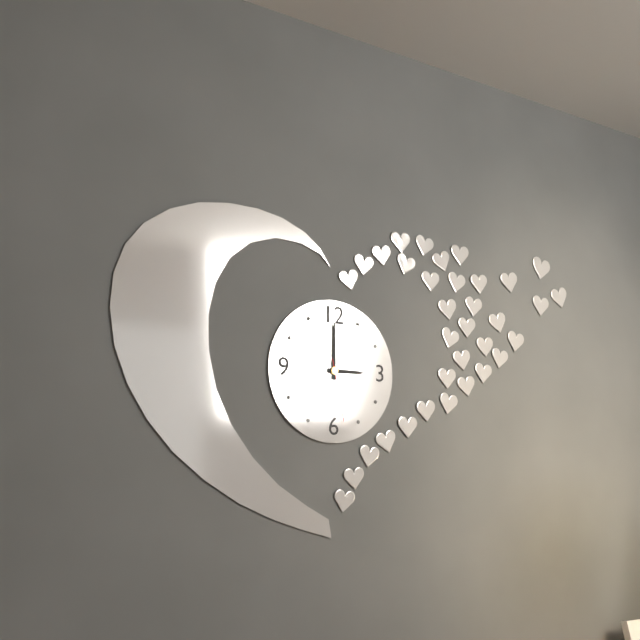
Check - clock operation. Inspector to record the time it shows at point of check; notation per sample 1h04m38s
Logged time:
3h00m28s
